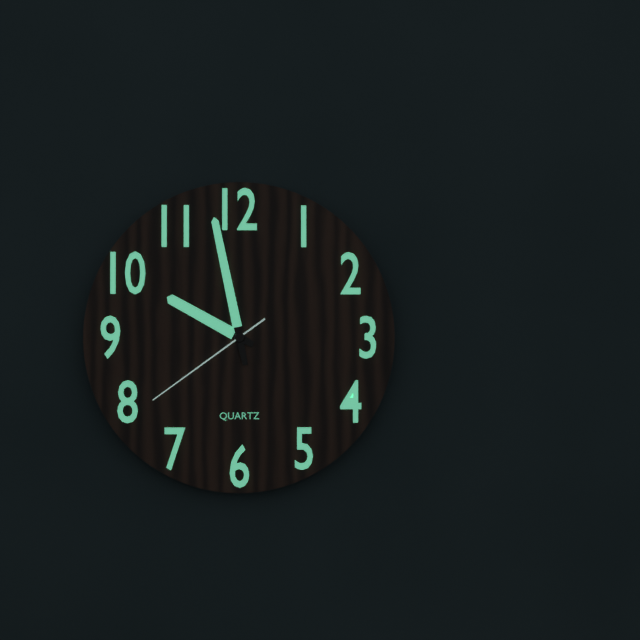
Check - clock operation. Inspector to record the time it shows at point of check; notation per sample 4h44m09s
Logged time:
9h58m39s
